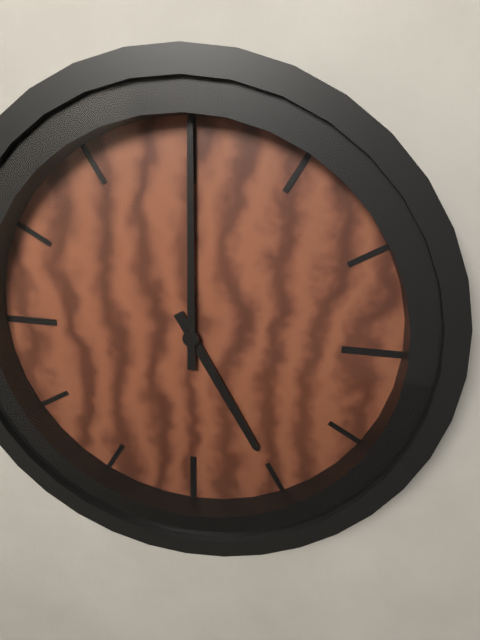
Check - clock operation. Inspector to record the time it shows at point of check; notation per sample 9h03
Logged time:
5h00
